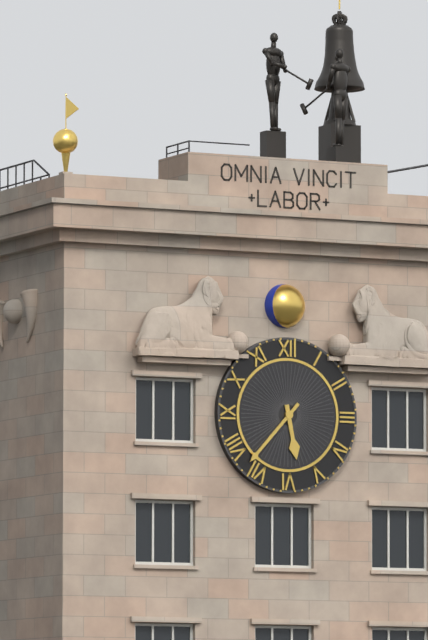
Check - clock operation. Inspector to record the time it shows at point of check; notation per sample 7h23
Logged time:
5h37
